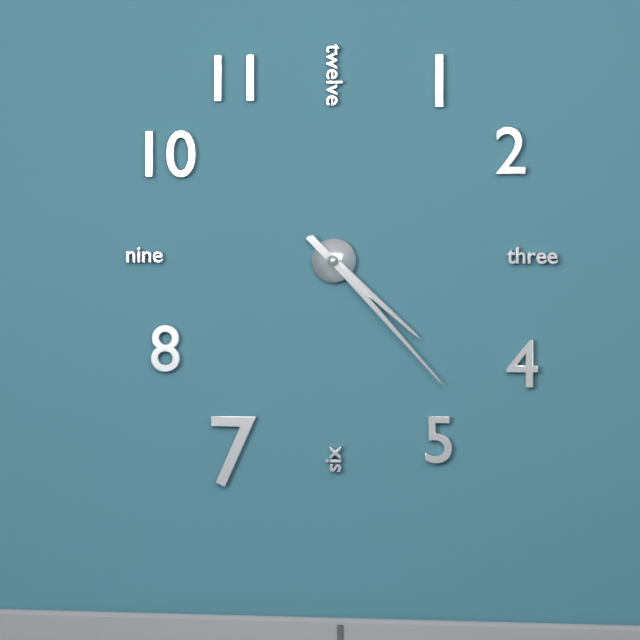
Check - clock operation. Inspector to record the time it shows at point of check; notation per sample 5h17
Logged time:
4h23
